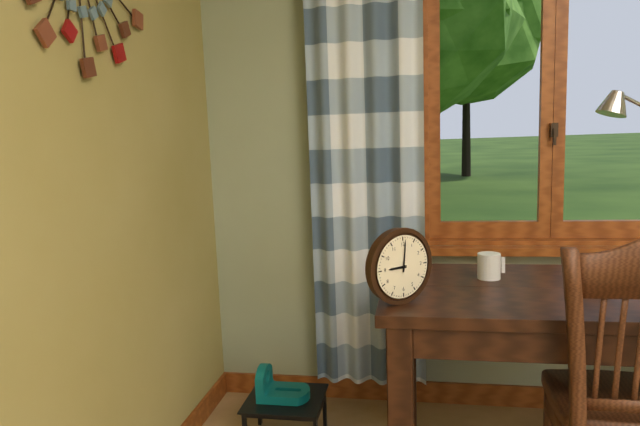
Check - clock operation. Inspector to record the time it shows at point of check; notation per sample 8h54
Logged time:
9h01
